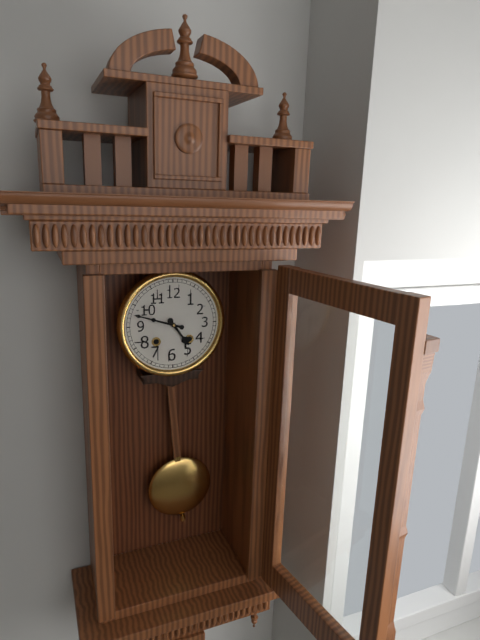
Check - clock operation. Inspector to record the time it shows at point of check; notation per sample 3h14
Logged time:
4h48
